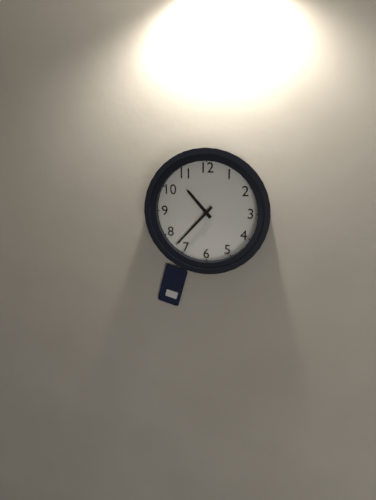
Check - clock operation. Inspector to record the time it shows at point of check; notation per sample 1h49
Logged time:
10h37
